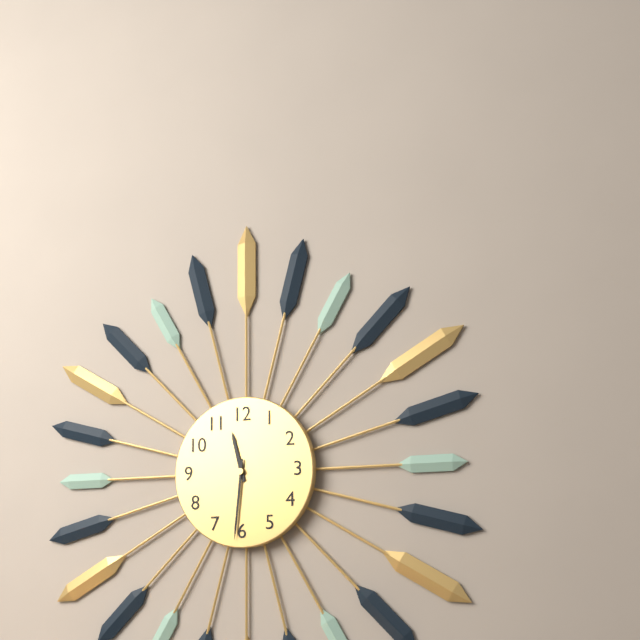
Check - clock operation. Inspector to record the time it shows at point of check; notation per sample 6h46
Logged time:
11h31
